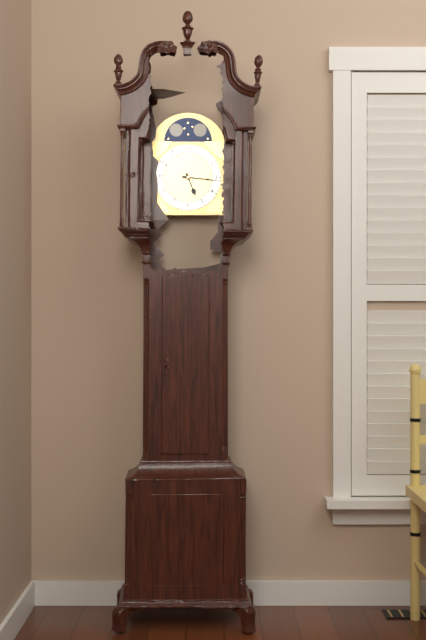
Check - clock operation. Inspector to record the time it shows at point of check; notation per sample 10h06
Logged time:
5h16
